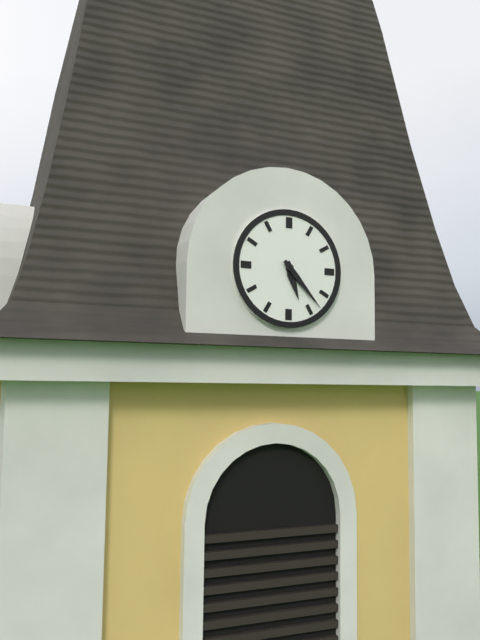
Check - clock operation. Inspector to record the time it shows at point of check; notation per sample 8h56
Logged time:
5h23
